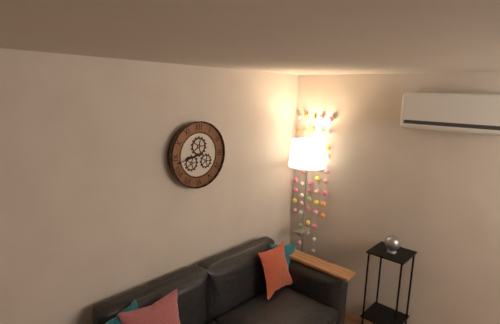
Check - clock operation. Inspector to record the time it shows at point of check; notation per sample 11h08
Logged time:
8h43
